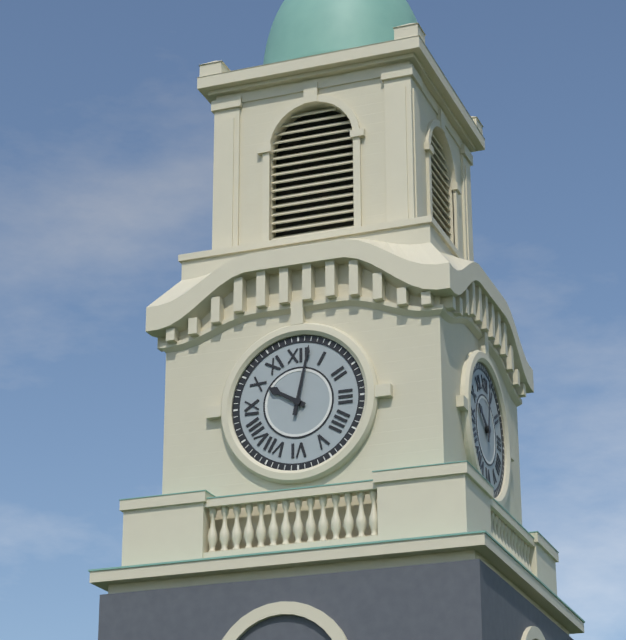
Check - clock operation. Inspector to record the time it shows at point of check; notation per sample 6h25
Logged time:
10h02
